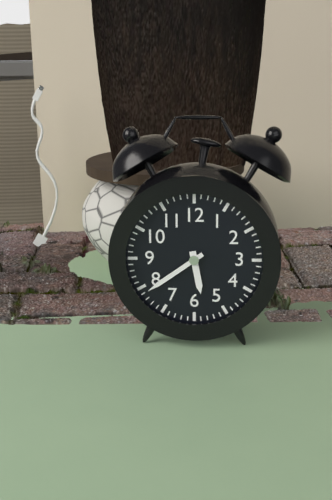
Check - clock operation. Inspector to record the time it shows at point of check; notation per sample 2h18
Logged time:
5h39
